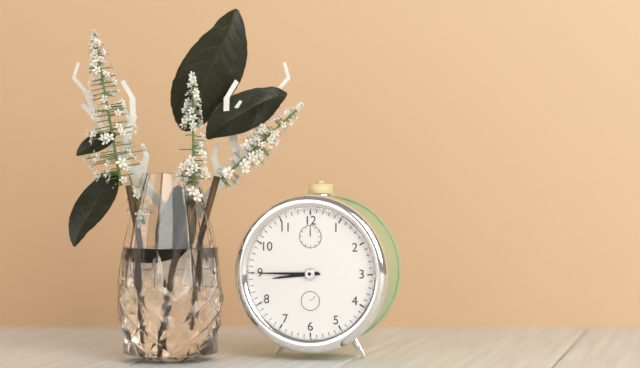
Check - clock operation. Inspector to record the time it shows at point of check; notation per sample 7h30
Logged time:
8h45
